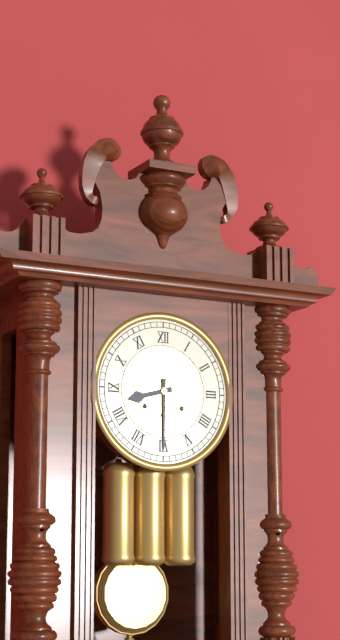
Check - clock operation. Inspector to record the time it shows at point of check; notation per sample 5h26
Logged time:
8h30
